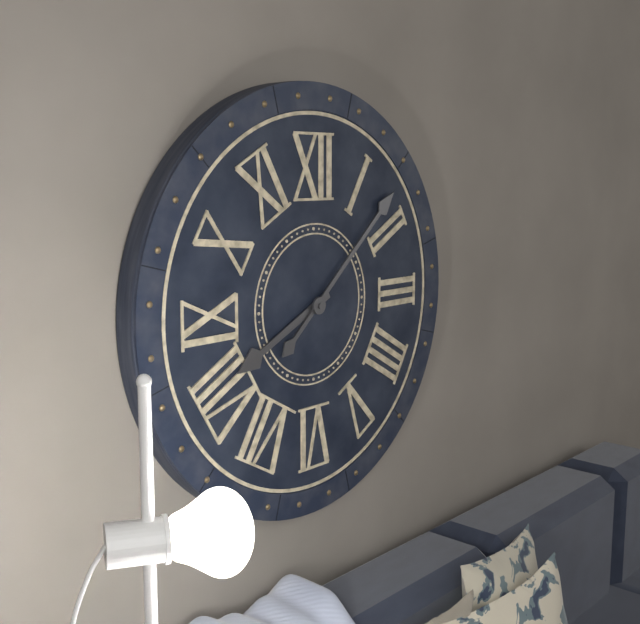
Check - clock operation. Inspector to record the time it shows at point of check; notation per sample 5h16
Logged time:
8h08
